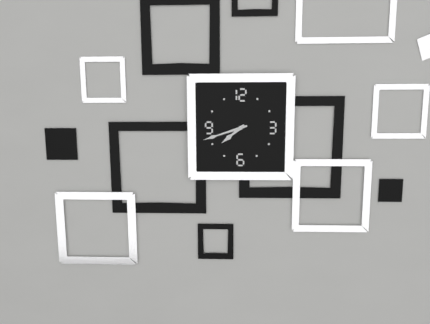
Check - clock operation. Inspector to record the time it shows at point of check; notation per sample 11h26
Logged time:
7h42
